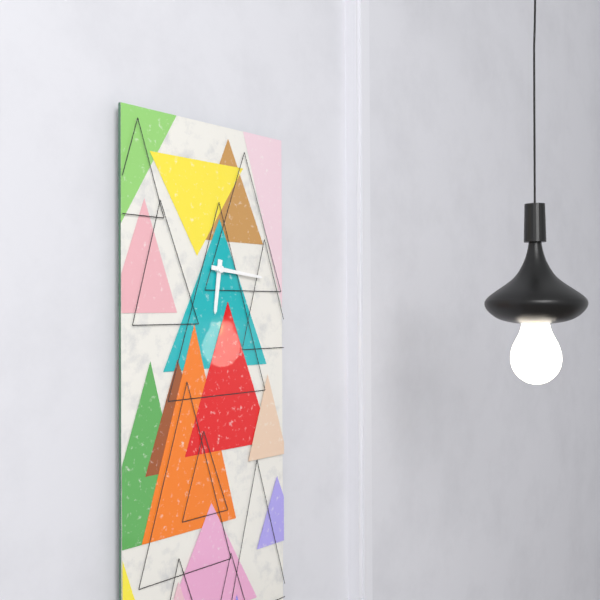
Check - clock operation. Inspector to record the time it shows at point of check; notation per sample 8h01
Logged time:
6h16
